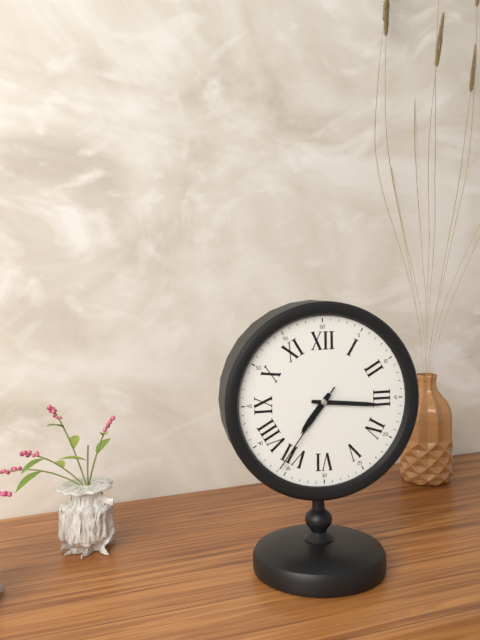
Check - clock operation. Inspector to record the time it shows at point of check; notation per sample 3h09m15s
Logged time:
7h16m36s
